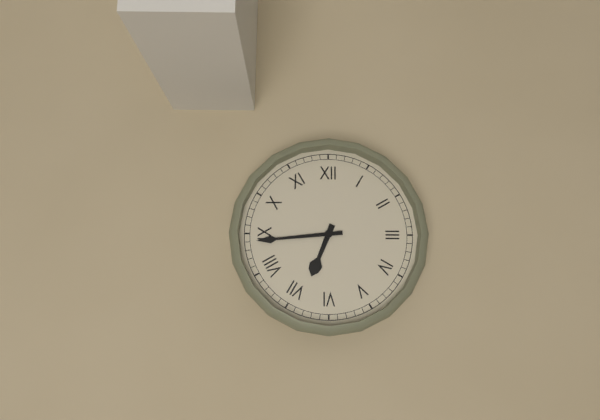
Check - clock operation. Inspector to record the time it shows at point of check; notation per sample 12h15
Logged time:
6h44
